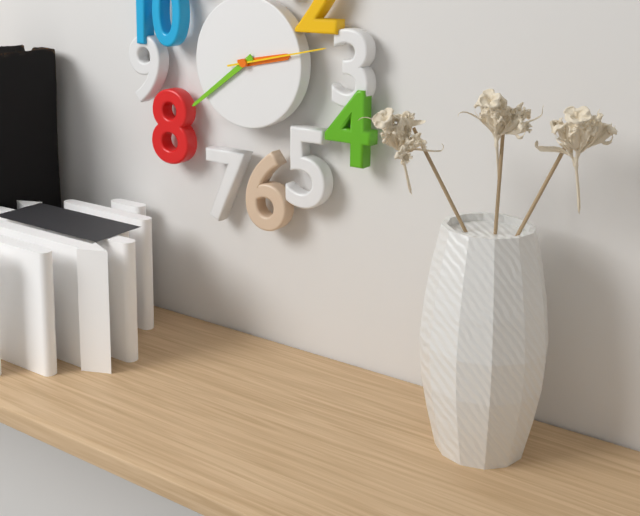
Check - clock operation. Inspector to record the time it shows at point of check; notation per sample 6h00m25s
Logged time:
2h39m13s
